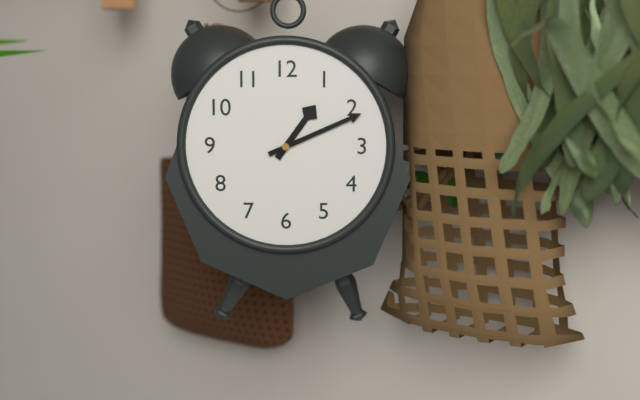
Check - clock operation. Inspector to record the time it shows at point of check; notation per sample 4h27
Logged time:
1h11
